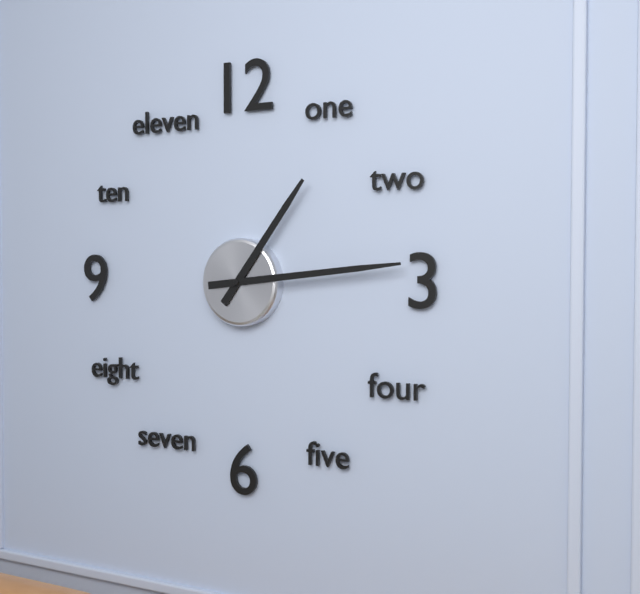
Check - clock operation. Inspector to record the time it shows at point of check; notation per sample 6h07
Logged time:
1h14
